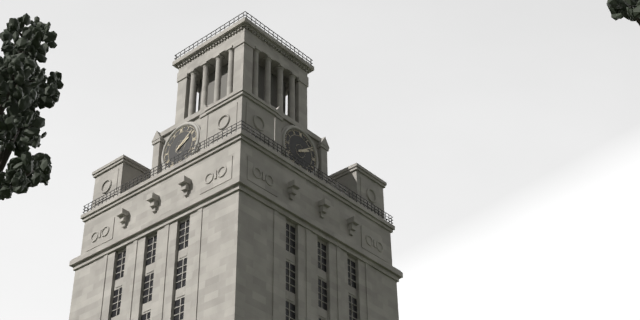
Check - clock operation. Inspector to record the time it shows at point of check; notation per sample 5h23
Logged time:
2h09
